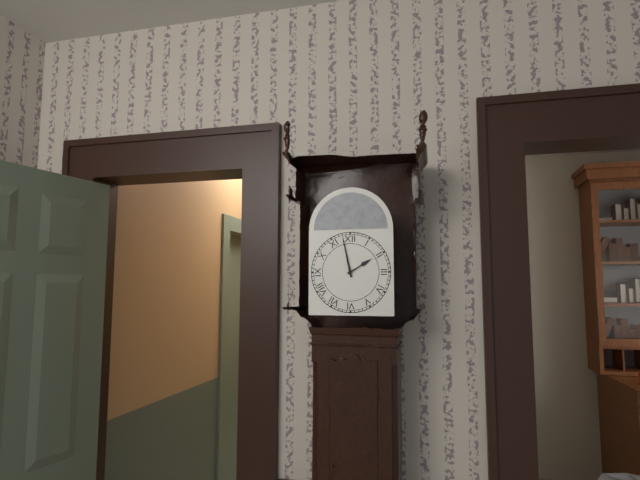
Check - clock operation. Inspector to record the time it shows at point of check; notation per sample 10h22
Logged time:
1h58
